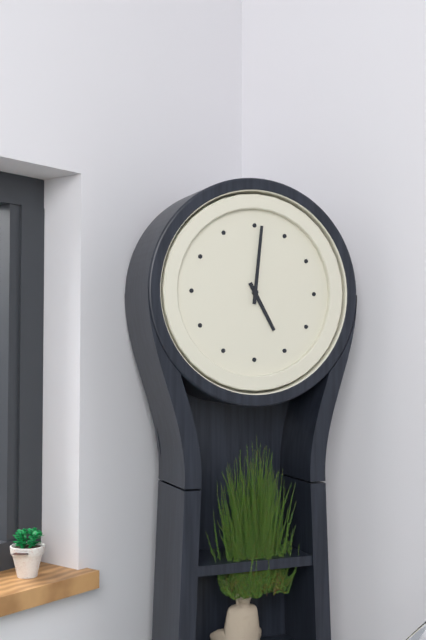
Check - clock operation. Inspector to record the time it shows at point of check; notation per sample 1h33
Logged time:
5h01
